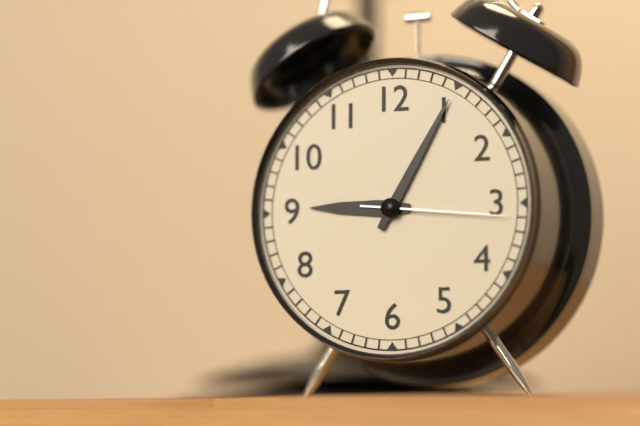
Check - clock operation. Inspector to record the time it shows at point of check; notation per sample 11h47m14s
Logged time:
9h05m16s
